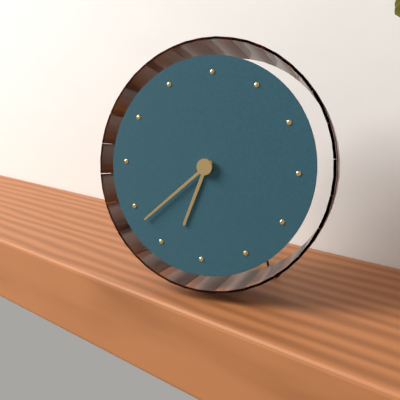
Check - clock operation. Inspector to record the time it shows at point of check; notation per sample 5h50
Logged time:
6h38
